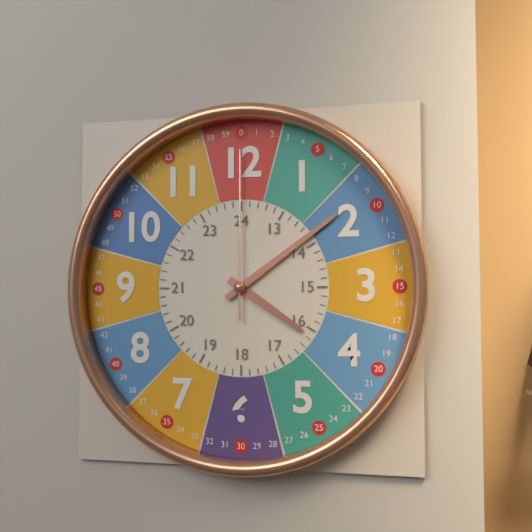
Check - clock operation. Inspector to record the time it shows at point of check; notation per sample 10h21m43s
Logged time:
4h09m00s
